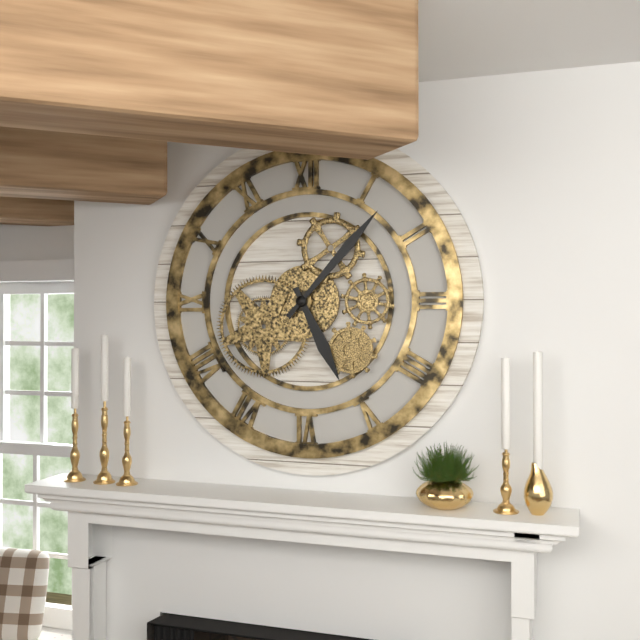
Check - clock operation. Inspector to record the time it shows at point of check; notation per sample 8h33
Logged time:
5h07
